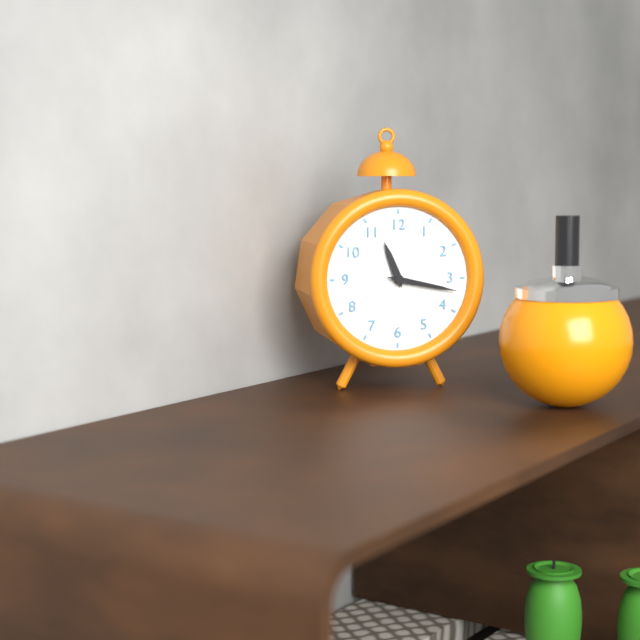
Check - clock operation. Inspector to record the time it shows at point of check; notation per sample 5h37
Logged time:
11h17
